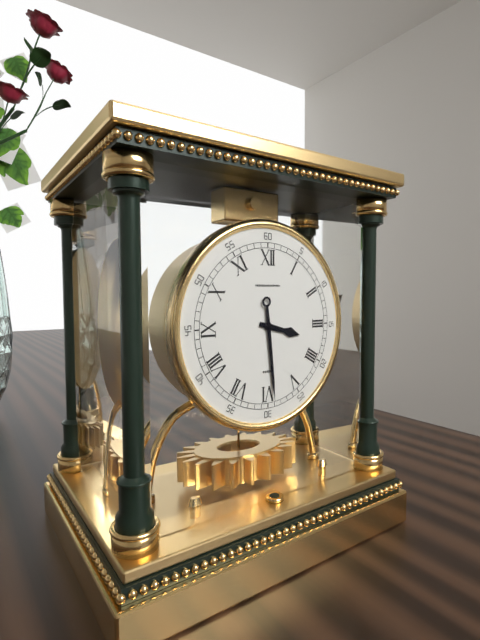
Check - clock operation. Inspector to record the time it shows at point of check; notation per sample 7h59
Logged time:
3h29
